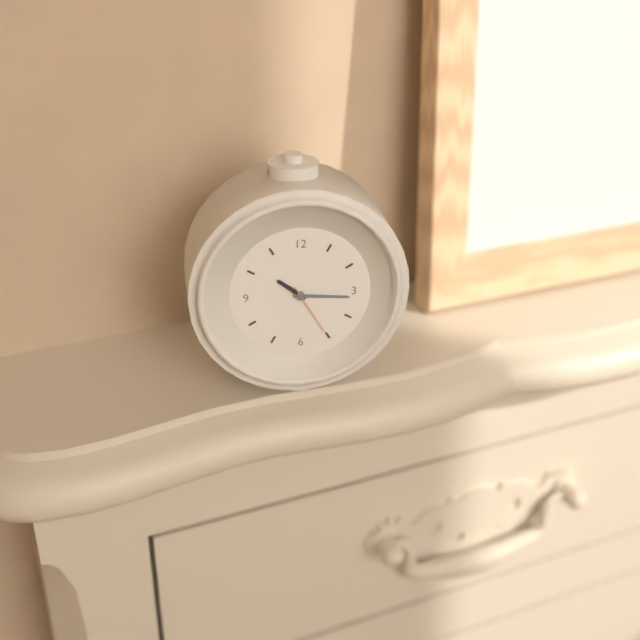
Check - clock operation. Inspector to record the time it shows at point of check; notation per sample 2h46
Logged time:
10h16
